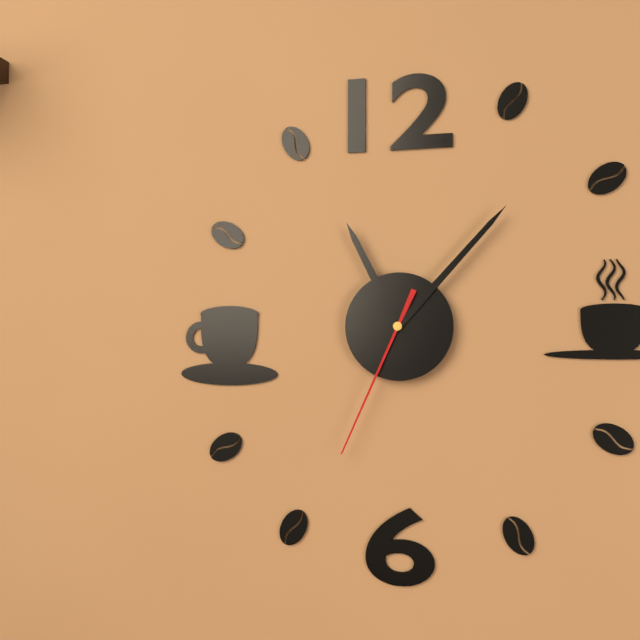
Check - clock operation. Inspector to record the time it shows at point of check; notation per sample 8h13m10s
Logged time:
11h07m34s
